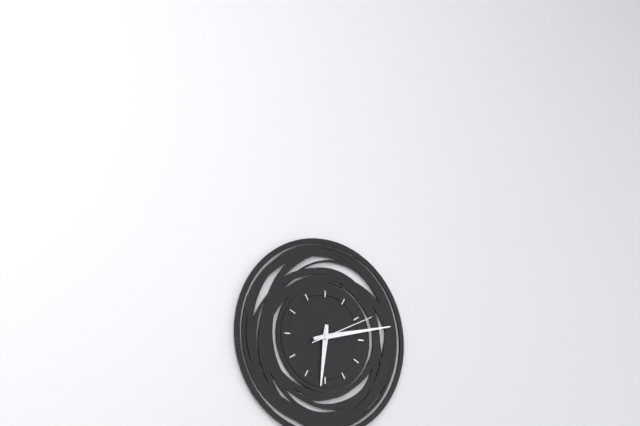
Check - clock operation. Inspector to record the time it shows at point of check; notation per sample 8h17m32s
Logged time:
6h13m11s
